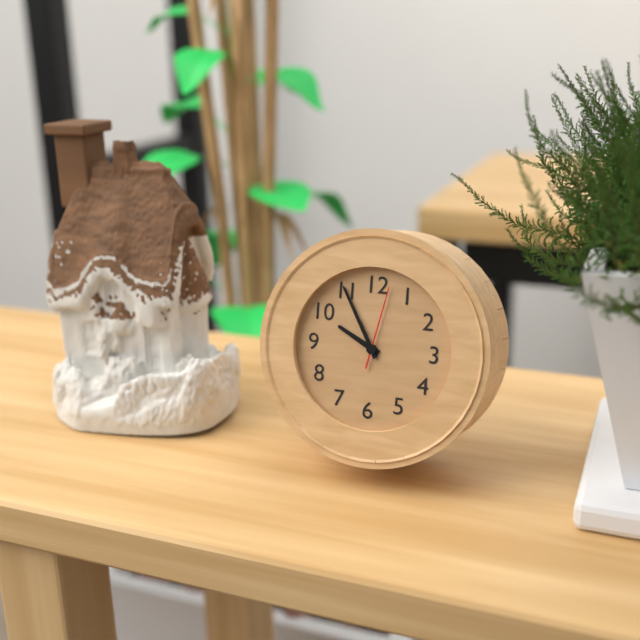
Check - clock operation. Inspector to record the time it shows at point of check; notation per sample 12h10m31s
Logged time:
9h55m02s
